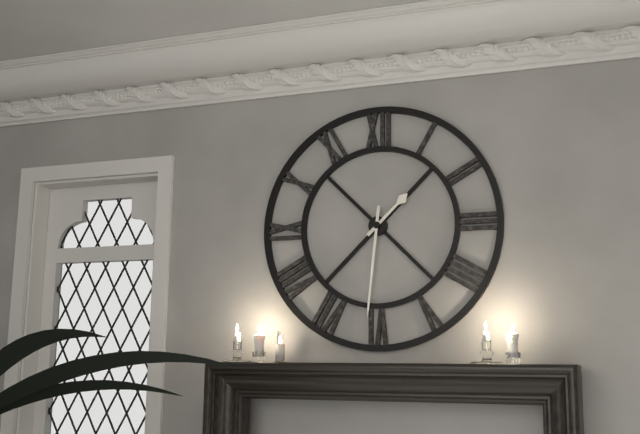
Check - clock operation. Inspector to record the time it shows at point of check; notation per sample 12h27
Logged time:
1h31
